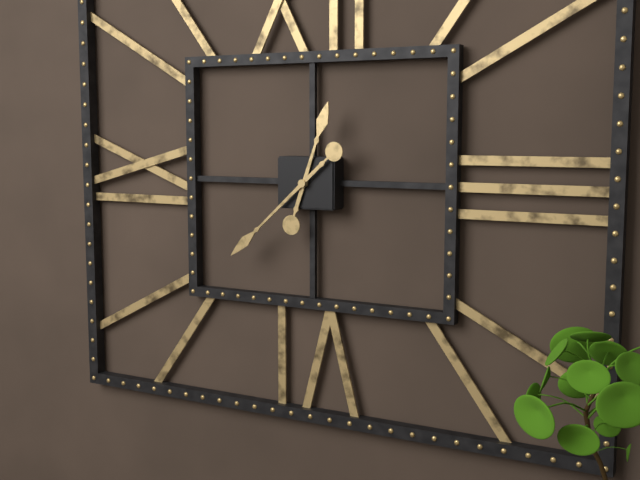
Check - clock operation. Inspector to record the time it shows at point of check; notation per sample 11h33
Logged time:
12h38
